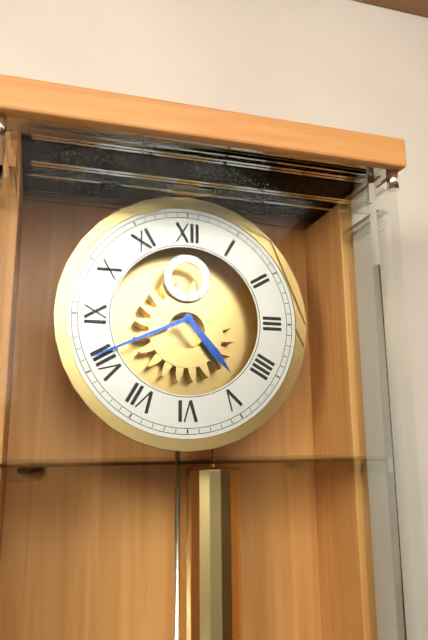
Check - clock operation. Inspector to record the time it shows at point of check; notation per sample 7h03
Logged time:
4h41
